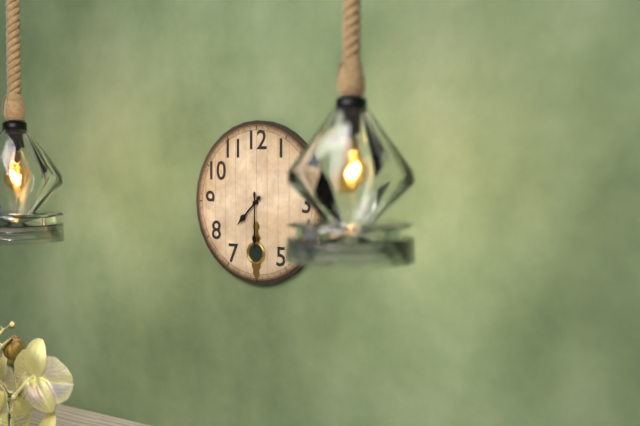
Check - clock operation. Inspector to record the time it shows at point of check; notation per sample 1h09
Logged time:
7h30
